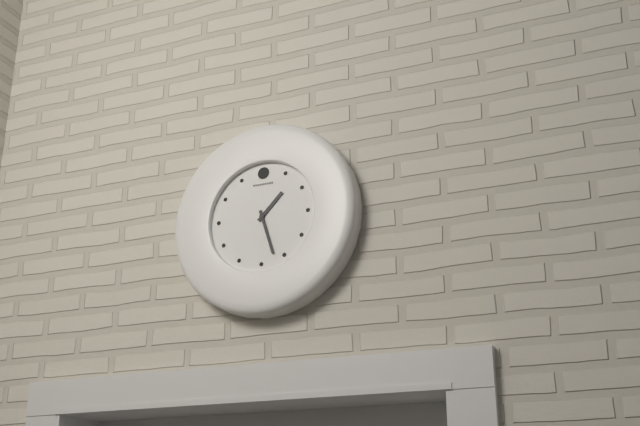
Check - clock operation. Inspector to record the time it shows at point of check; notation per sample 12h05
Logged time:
1h27
